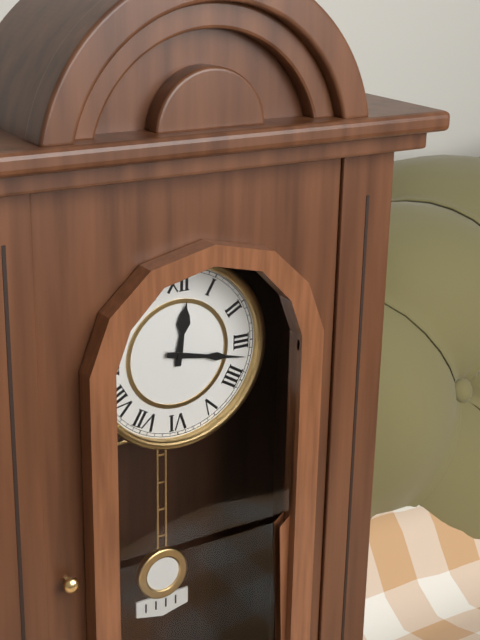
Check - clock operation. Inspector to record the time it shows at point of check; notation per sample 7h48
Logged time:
12h17
